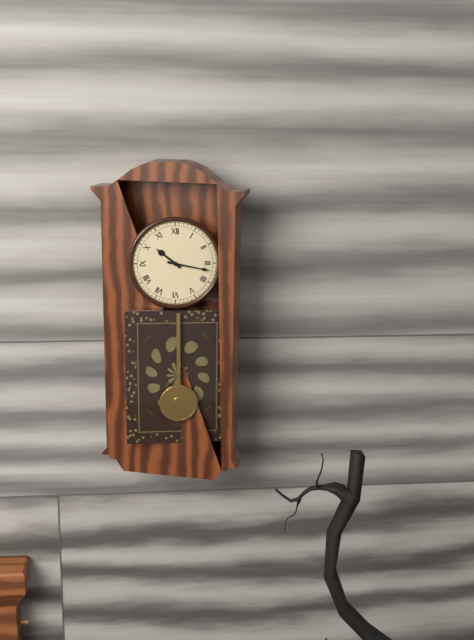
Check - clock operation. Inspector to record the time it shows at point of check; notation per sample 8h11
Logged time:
10h17
